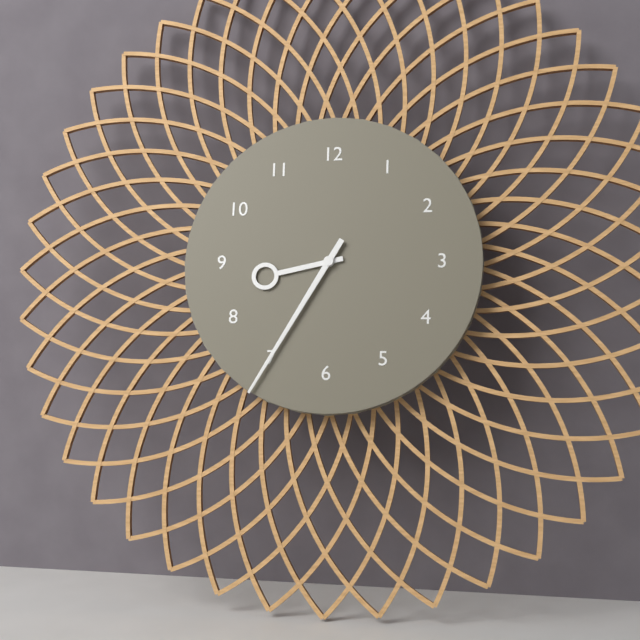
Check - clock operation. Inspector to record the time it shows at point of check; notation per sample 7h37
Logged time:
8h35
